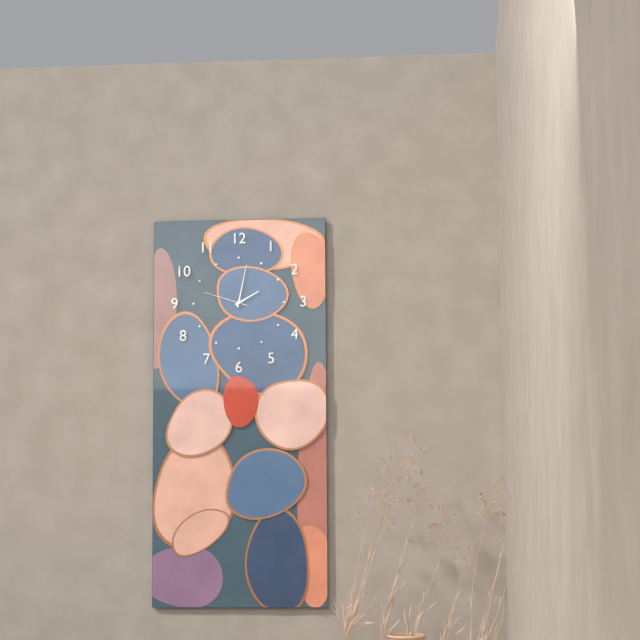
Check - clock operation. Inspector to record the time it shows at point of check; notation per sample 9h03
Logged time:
2h02
